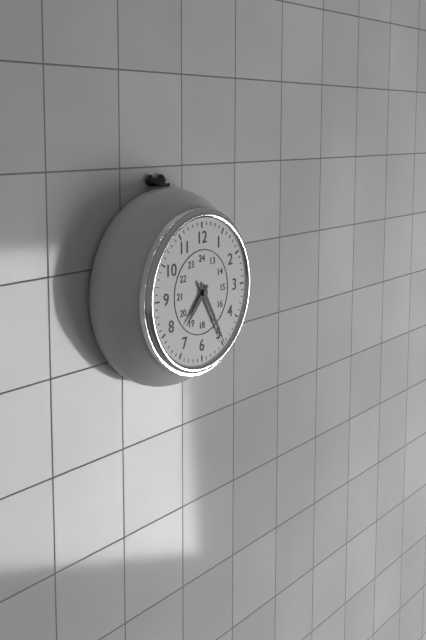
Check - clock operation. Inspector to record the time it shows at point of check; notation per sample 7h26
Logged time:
7h25
